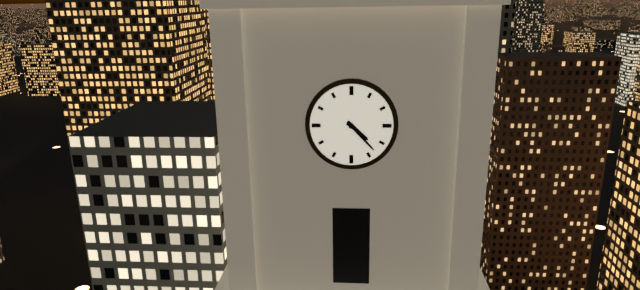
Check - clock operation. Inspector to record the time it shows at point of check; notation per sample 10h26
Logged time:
4h23
